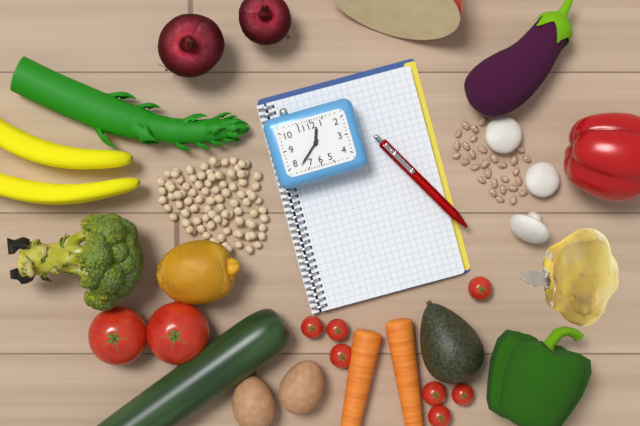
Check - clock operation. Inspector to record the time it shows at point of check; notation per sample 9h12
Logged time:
12h38
